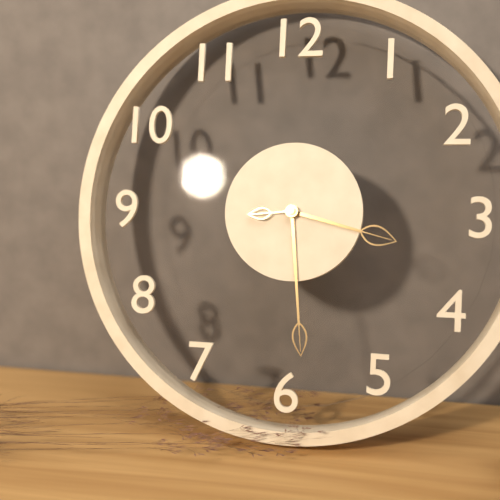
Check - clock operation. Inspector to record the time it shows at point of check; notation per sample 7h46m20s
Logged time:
3h29m44s
